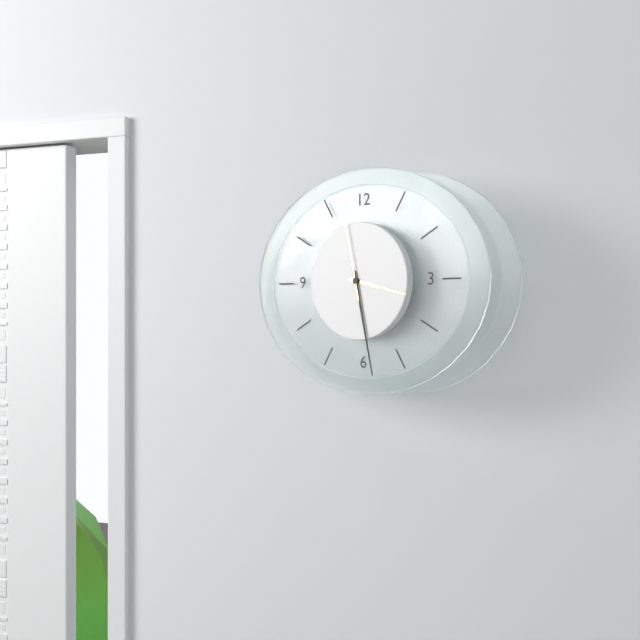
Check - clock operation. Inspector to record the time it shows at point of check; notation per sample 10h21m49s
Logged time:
3h28m58s
